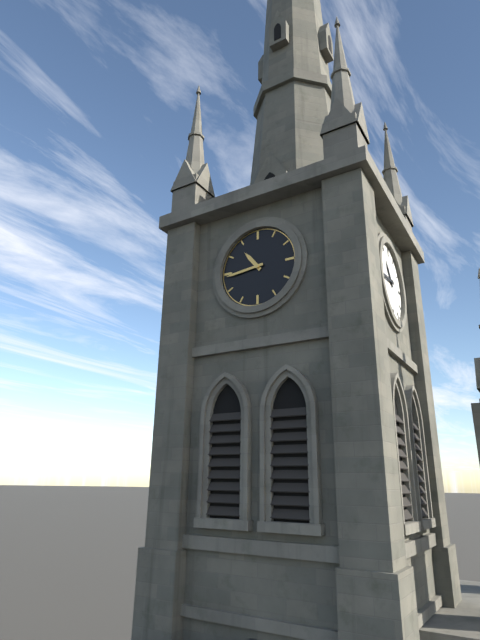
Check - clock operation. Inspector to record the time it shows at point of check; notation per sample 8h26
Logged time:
10h44
